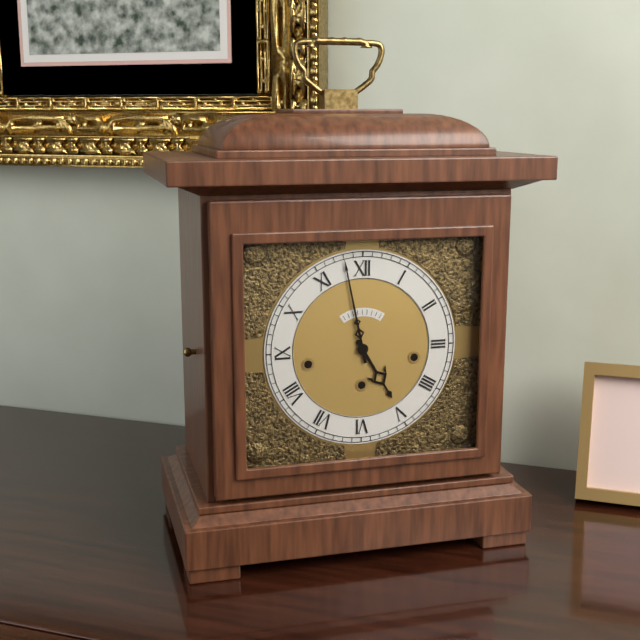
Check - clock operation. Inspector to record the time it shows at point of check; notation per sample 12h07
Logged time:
4h58
